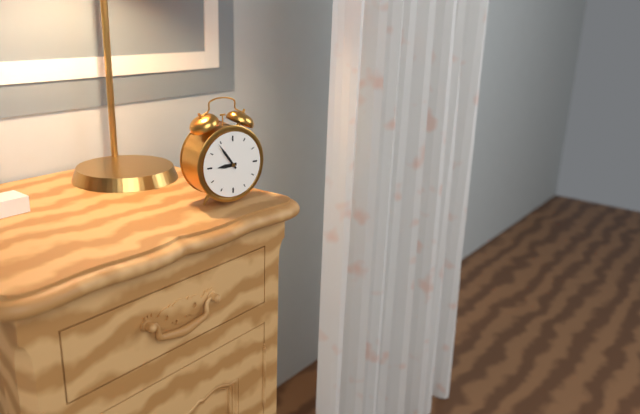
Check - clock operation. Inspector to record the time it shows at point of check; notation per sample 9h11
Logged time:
8h54
